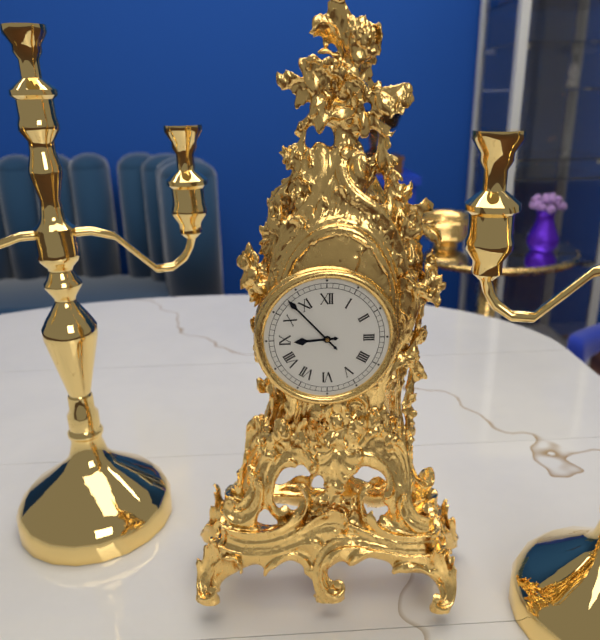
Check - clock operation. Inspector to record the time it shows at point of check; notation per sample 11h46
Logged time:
8h53
